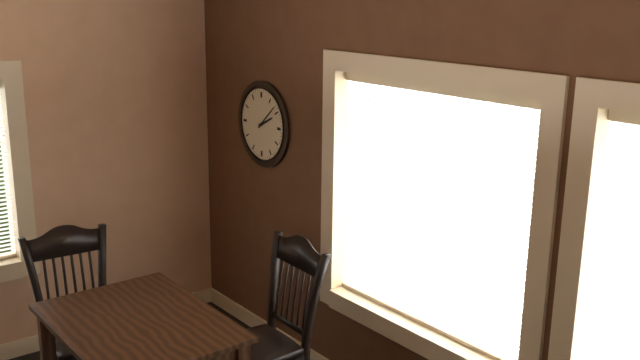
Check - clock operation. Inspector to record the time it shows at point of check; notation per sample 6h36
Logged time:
2h08
